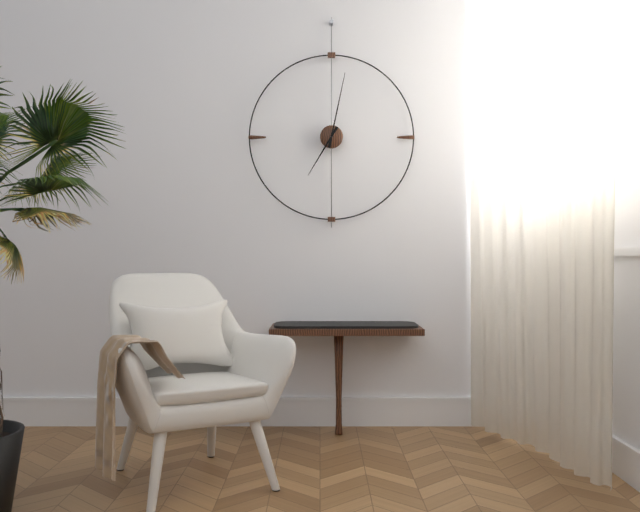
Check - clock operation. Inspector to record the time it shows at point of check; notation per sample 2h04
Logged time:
7h02
